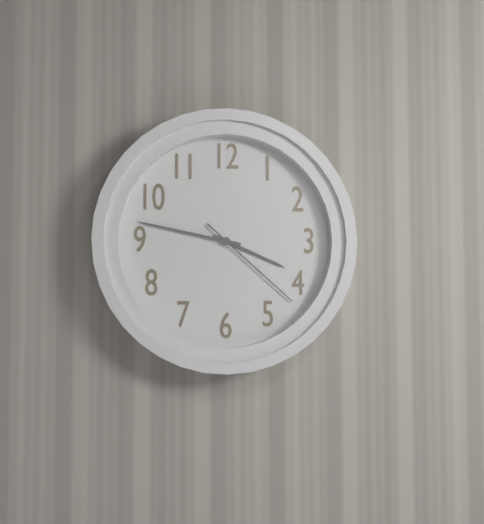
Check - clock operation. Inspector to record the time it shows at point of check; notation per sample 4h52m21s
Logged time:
3h47m22s
